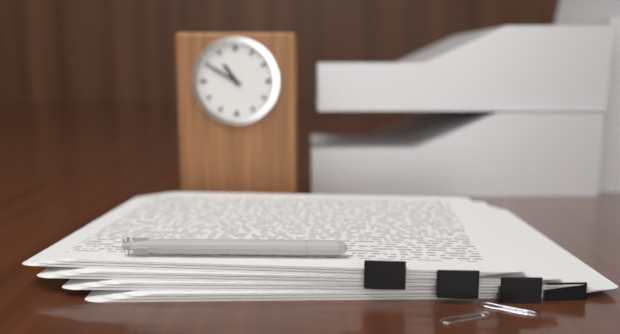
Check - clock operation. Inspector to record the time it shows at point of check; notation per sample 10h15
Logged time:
10h50
